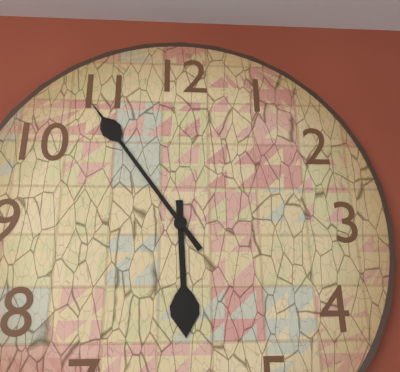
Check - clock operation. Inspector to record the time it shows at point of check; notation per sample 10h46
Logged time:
5h54
